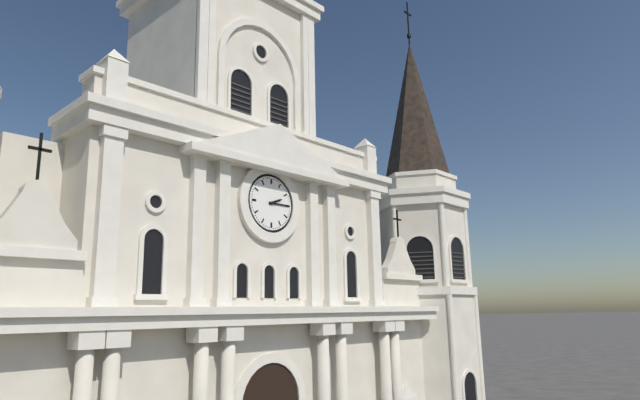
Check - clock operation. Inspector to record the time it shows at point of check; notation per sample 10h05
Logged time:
2h15
